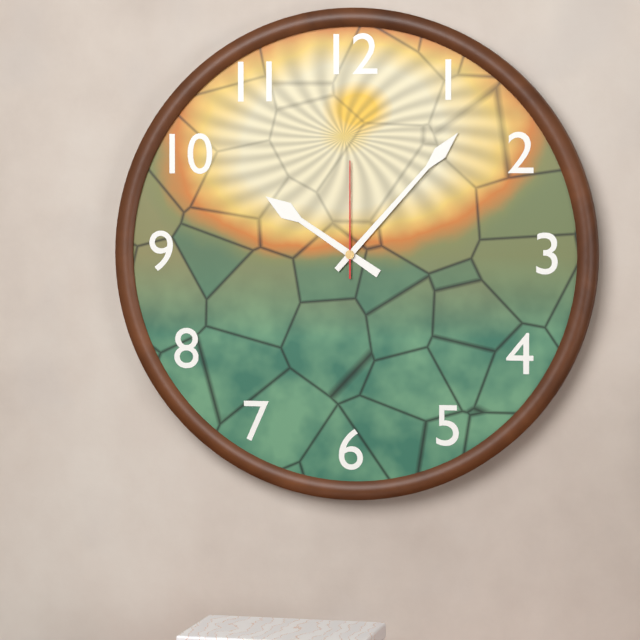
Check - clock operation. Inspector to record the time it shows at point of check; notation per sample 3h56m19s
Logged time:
10h07m00s
